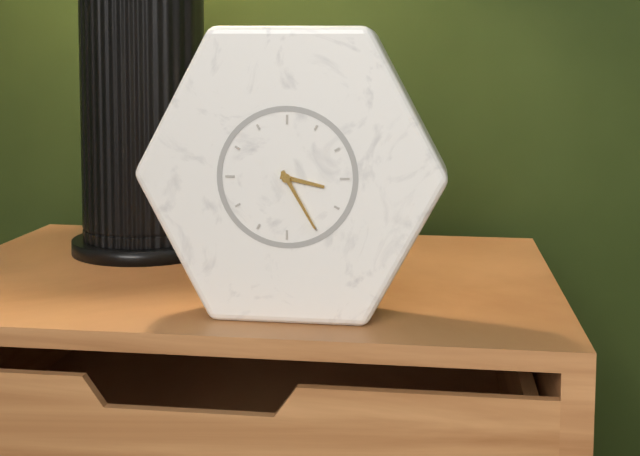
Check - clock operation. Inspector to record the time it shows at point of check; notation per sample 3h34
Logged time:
3h25
